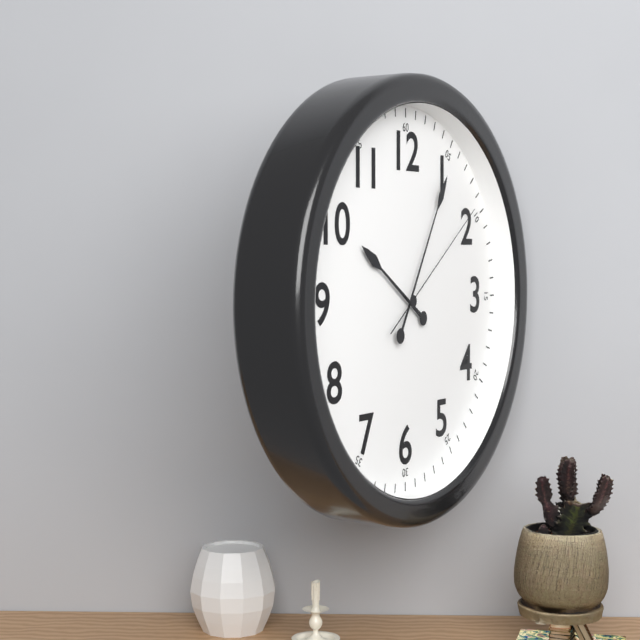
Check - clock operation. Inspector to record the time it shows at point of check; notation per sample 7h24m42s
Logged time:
10h05m09s
